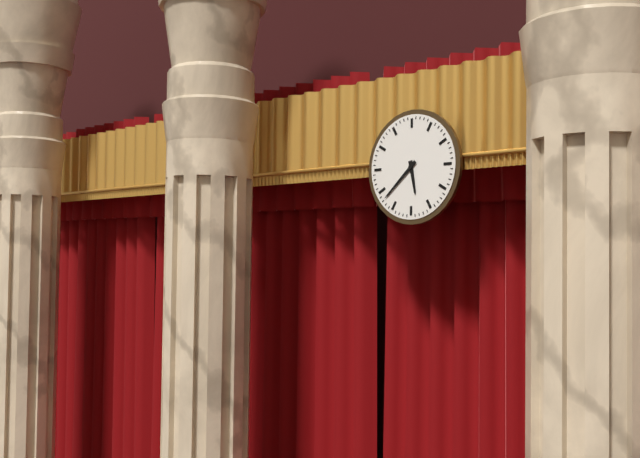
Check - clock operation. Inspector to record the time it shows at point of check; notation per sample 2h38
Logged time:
5h38
